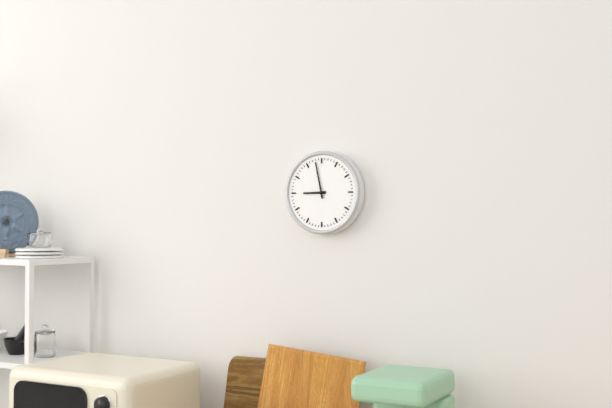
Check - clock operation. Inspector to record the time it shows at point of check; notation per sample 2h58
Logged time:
8h58
